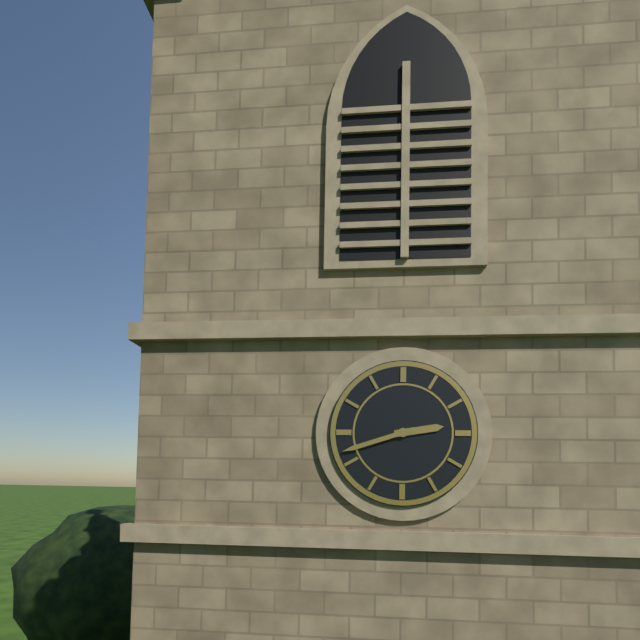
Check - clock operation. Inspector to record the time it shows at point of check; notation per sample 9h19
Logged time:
2h42
